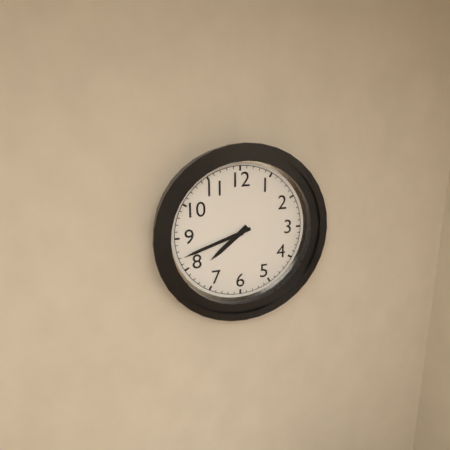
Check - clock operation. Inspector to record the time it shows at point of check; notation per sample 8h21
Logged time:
7h42
